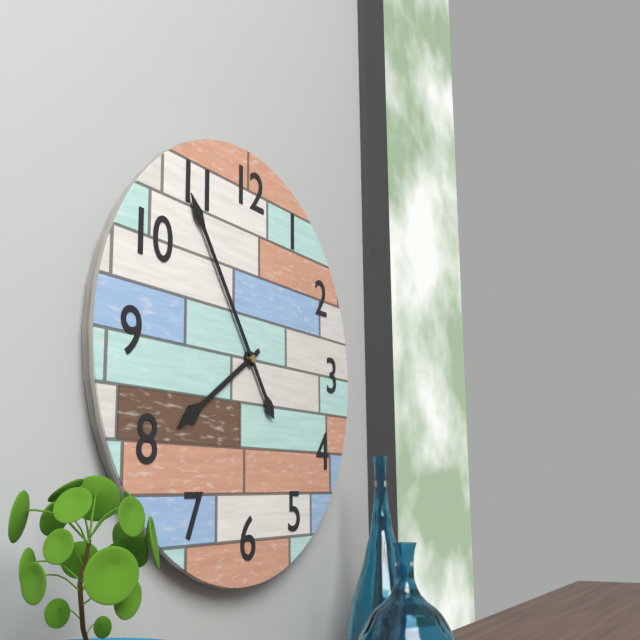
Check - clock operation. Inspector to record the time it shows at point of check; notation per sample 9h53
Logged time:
7h54
